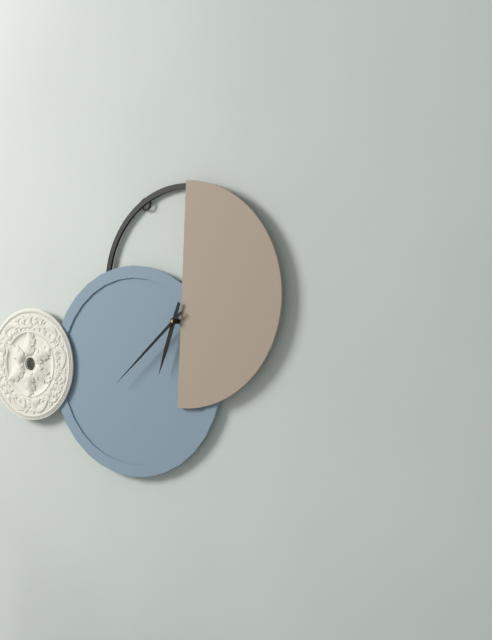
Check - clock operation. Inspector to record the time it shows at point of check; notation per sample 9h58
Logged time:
6h38
